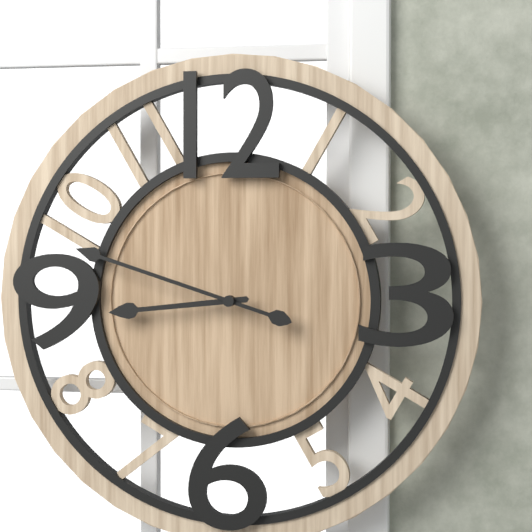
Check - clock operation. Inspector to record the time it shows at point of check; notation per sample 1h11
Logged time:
8h48
